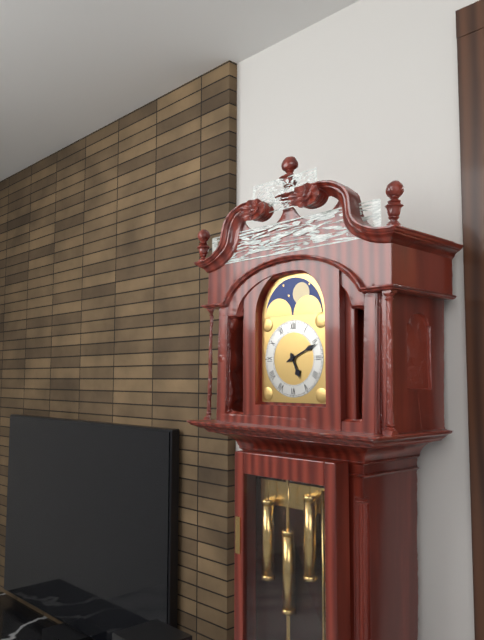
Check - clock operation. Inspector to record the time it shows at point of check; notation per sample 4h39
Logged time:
5h11
